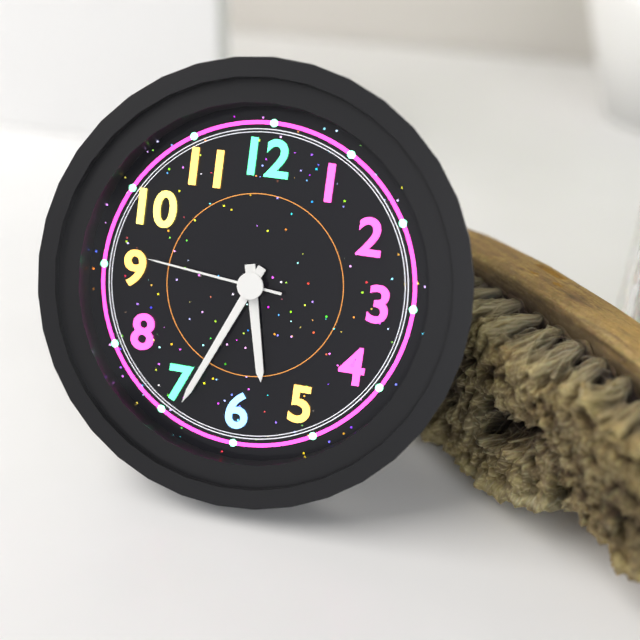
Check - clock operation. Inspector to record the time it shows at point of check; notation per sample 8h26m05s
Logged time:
5h34m46s
